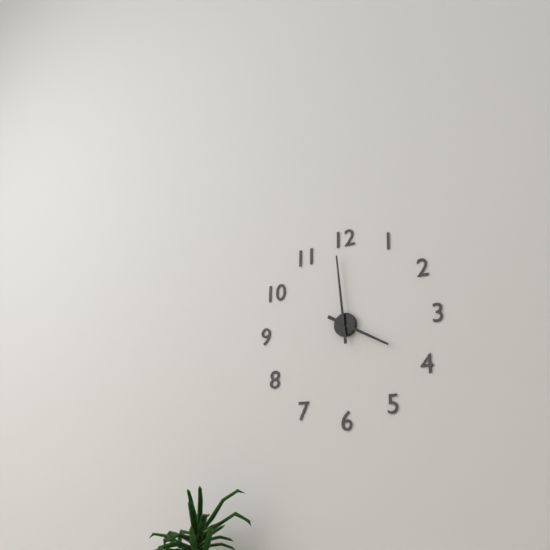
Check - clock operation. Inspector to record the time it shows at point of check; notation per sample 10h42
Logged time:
3h59
